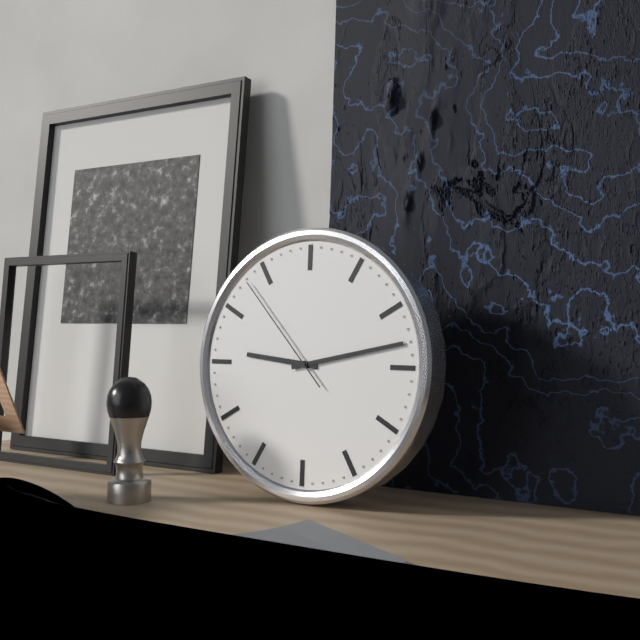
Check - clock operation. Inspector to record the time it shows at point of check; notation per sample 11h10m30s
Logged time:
9h13m53s
